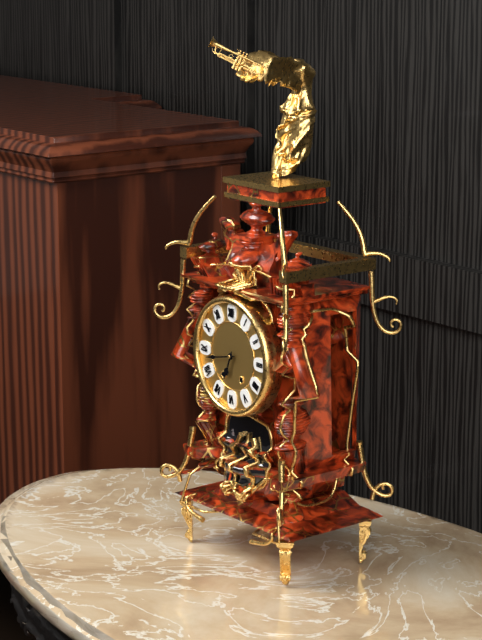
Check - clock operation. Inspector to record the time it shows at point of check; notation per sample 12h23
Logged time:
6h43
